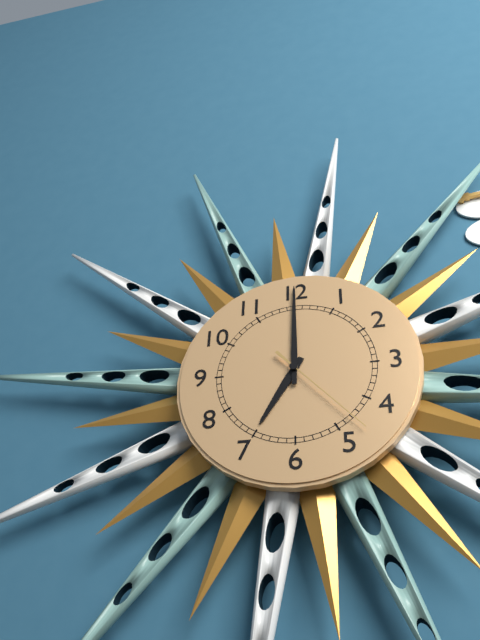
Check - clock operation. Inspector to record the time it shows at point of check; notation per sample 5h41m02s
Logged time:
7h00m23s
